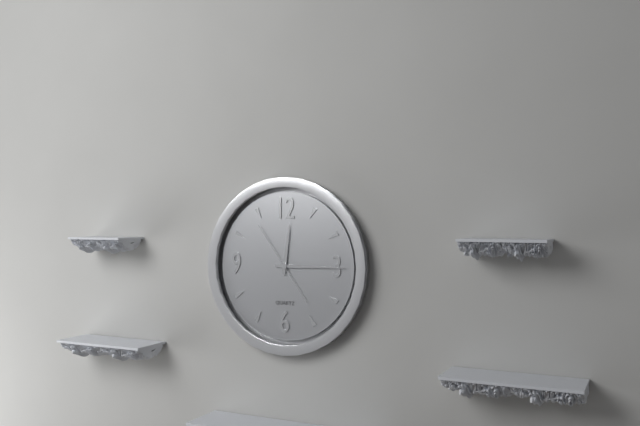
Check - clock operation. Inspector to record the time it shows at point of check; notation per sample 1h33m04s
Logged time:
12h15m54s
